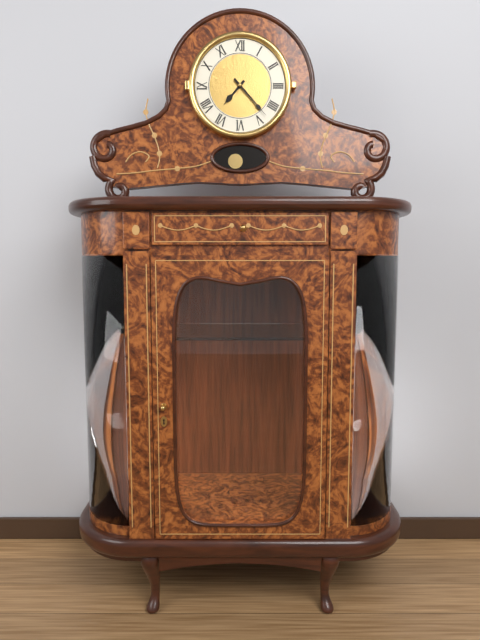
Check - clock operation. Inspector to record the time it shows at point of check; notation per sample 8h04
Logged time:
7h23
